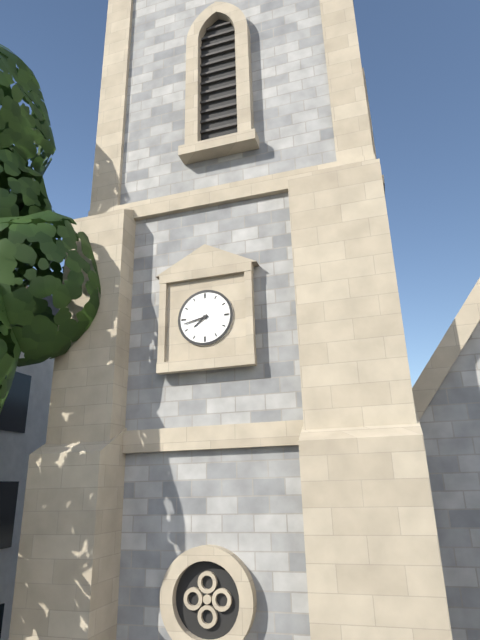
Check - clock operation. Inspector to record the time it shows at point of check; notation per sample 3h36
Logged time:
7h43
